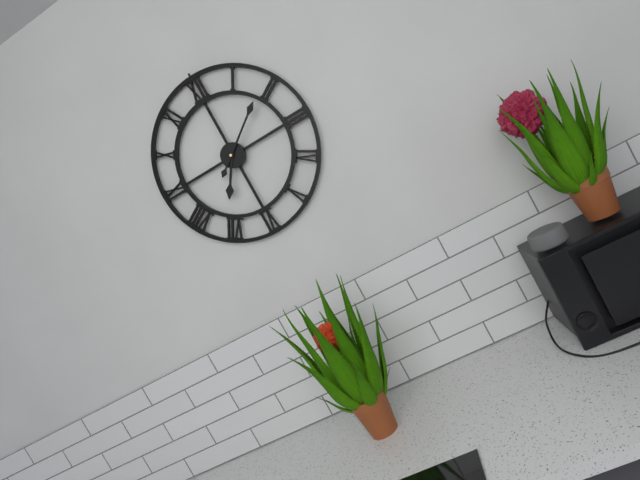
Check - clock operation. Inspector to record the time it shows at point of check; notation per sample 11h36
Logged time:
7h09
